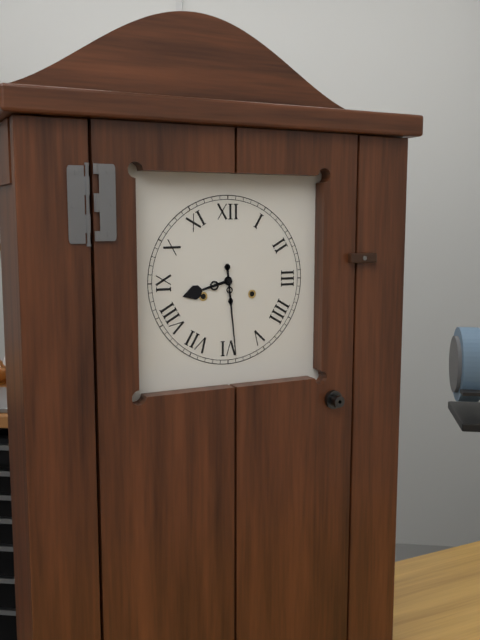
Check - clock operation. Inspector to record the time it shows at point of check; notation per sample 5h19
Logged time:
8h29
